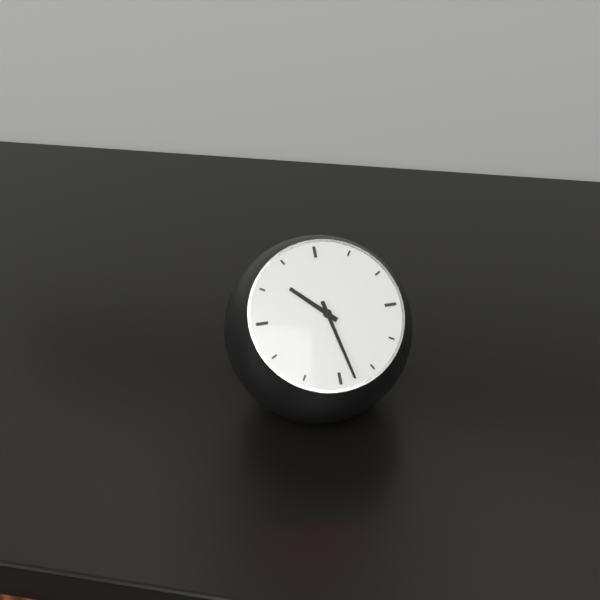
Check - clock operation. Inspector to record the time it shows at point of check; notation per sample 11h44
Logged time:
10h28
